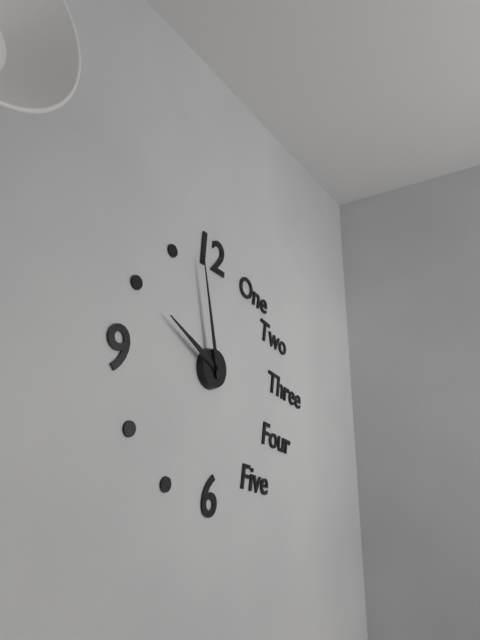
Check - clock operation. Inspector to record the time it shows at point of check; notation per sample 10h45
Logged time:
9h58
